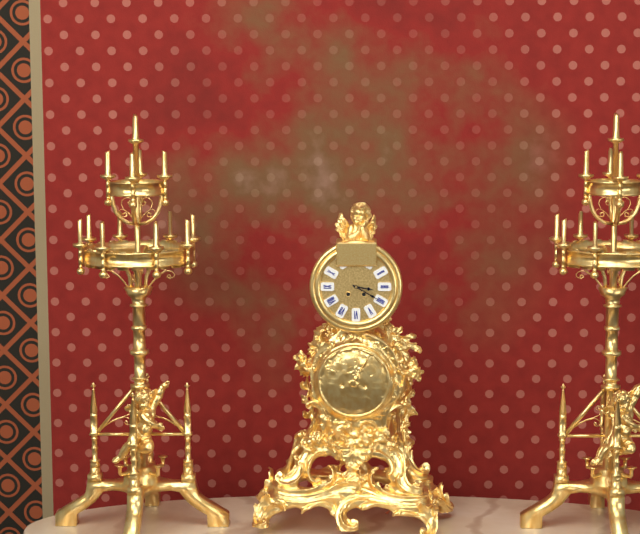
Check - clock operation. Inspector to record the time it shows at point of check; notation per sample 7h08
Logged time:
3h20
